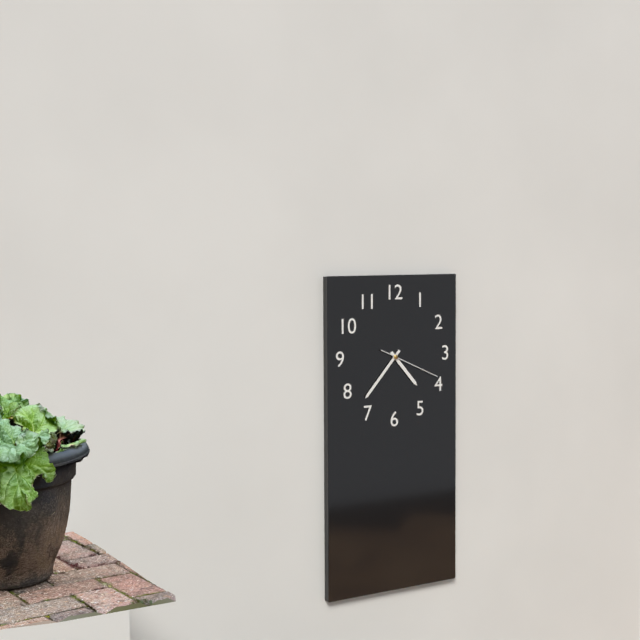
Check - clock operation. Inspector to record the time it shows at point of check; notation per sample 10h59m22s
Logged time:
4h37m19s
